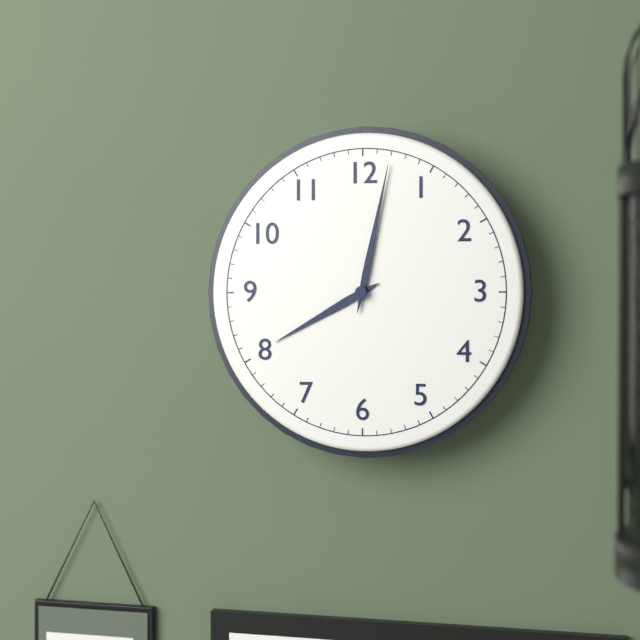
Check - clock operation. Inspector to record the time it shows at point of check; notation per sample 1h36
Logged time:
8h02
